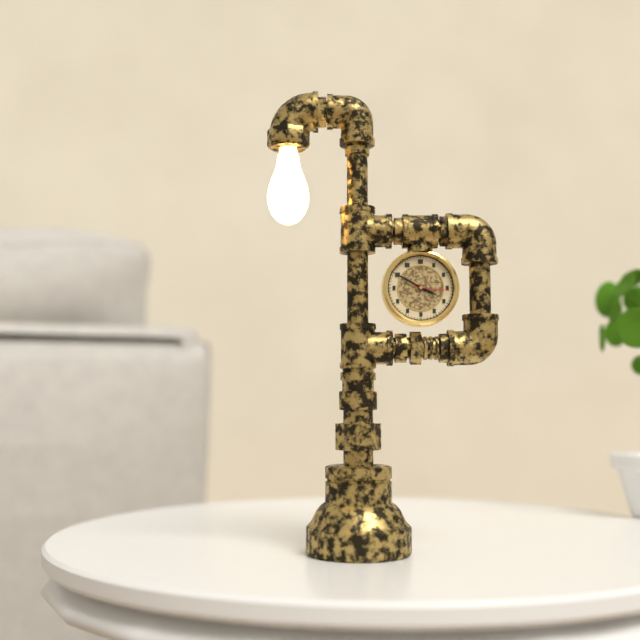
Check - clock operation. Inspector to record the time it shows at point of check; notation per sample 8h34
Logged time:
3h50
